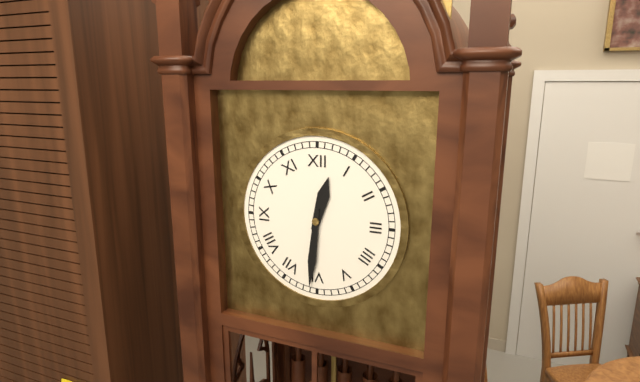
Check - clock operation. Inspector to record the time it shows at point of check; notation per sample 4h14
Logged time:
12h31
